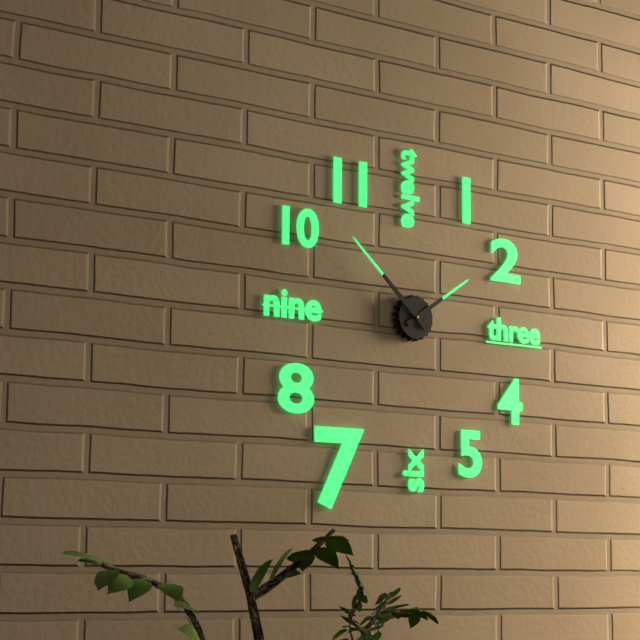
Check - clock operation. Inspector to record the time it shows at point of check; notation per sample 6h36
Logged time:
1h52
